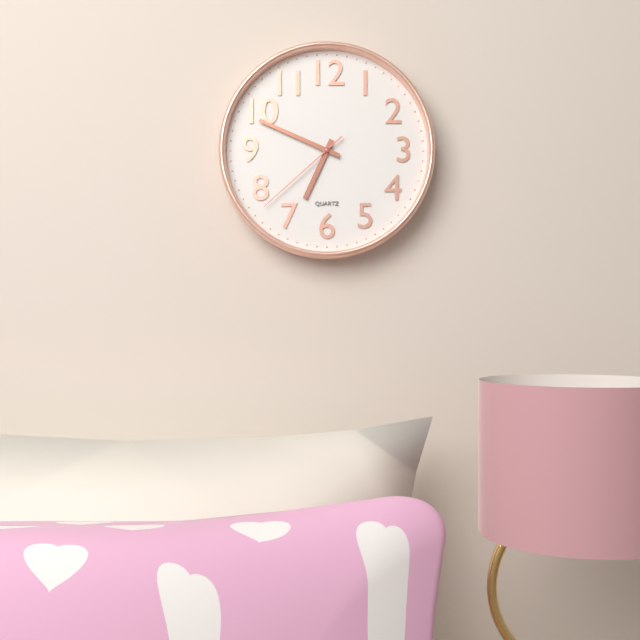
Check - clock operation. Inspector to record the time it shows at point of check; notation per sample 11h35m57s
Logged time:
6h49m38s
